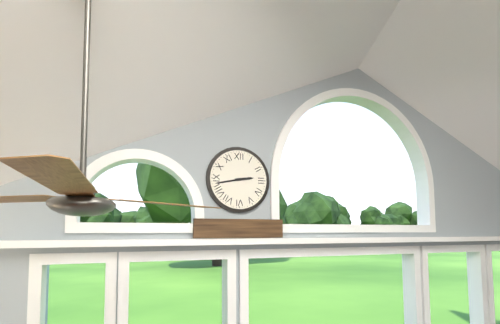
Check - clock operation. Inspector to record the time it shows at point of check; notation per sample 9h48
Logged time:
2h43
